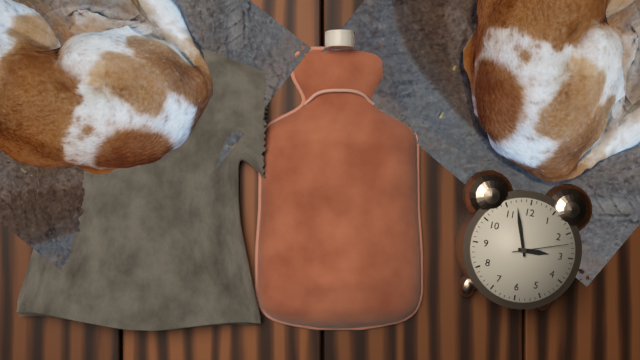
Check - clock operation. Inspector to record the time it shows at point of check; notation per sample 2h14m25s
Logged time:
2h57m12s
